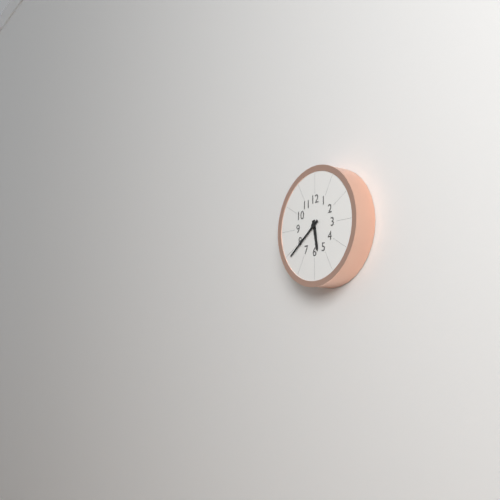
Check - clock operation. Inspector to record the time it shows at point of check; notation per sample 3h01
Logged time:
5h39
